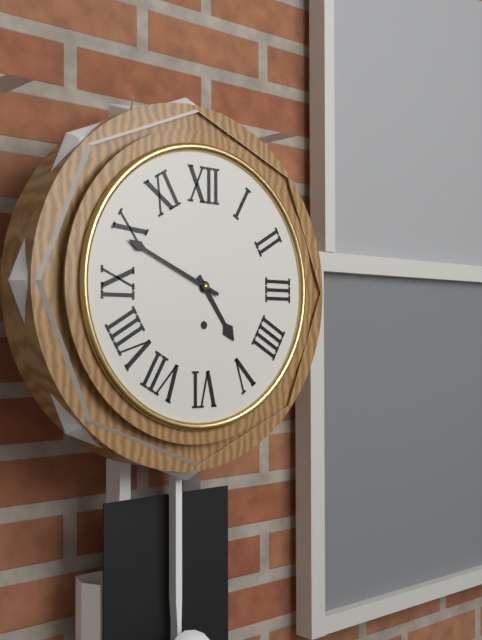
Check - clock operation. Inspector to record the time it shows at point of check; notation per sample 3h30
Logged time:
4h49
